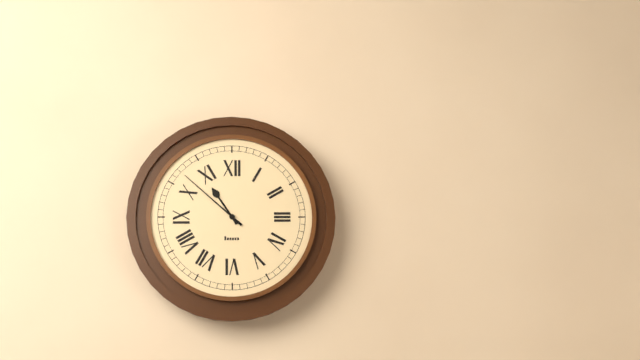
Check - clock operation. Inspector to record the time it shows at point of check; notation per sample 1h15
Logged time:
10h52
